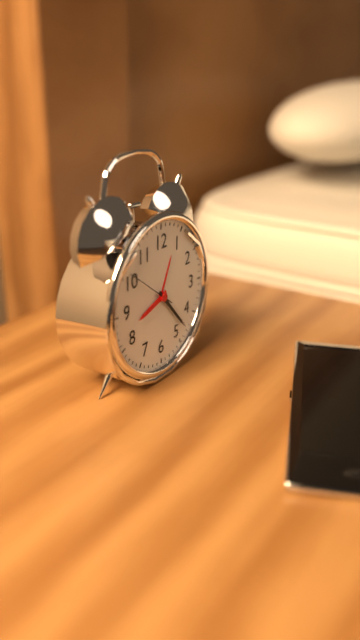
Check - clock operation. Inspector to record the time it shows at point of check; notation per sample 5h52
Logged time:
8h23
